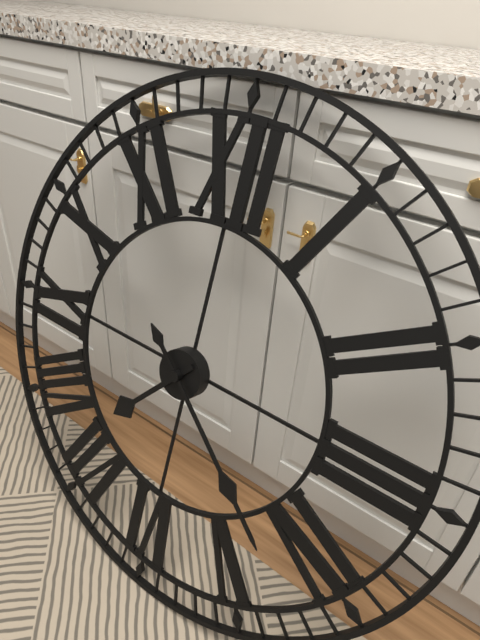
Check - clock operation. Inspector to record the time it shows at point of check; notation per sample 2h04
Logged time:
7h22
